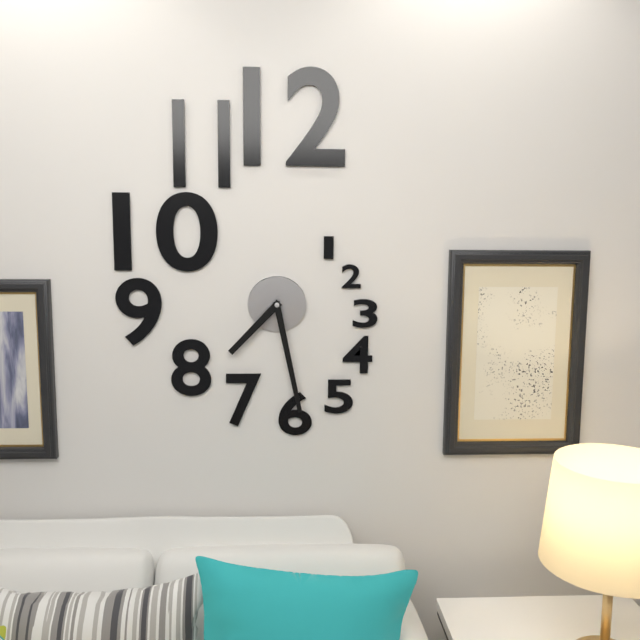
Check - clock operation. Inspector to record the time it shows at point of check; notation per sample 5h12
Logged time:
7h28
